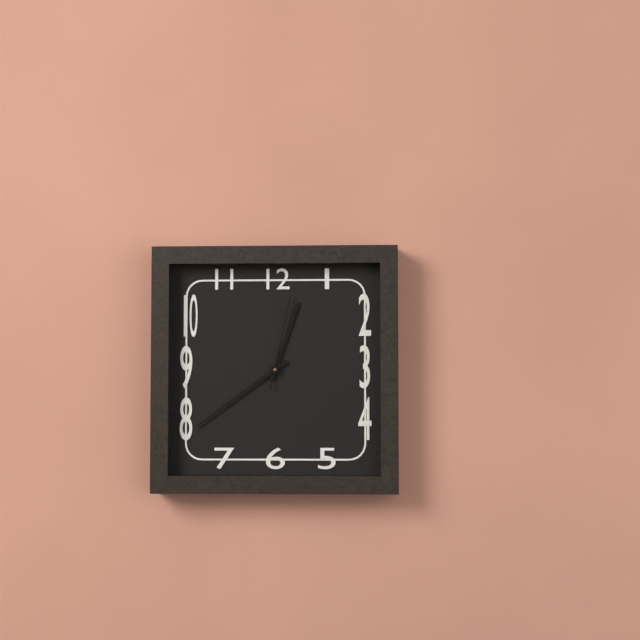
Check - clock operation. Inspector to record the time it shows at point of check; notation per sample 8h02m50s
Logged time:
12h39m02s
